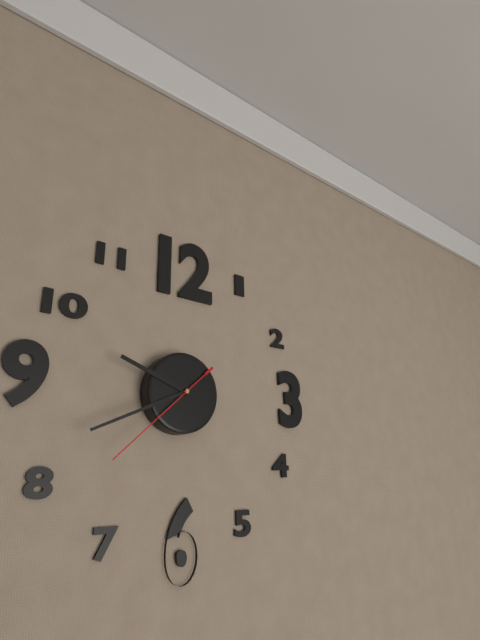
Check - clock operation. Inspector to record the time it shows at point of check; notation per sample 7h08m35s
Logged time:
9h41m38s
